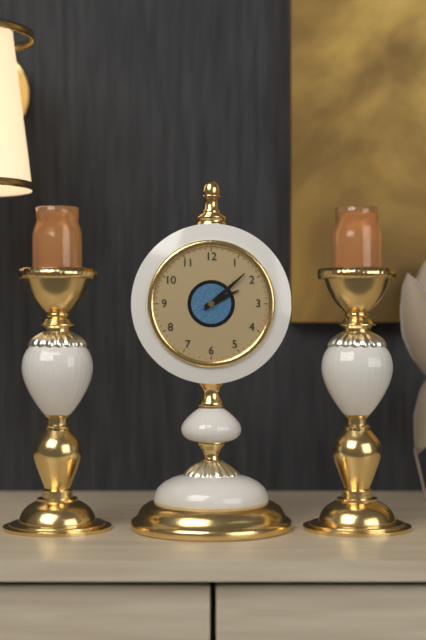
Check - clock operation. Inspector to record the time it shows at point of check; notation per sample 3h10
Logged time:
2h08
